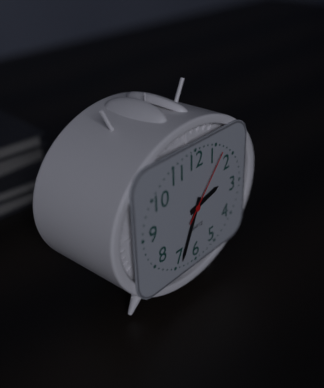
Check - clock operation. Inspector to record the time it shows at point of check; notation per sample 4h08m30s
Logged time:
2h34m07s
